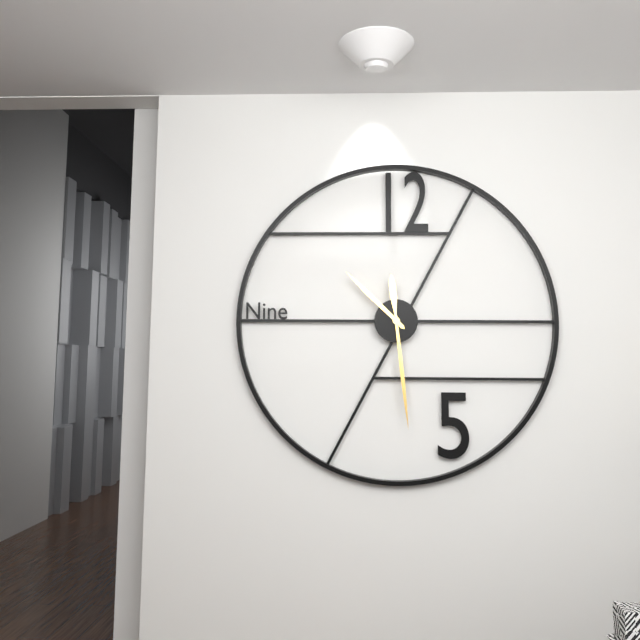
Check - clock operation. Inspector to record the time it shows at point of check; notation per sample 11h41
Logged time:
10h29
